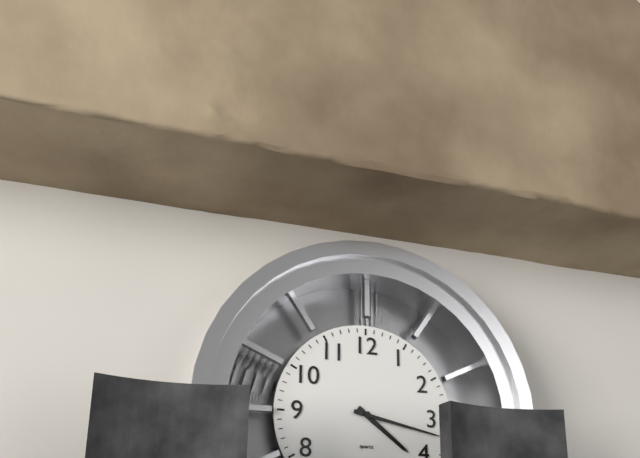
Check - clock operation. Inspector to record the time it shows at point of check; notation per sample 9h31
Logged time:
4h17
